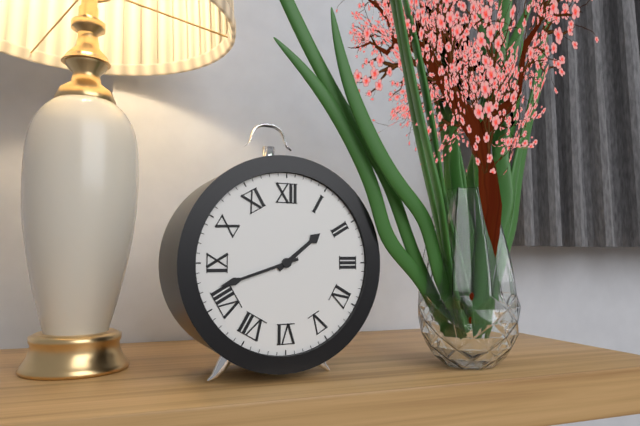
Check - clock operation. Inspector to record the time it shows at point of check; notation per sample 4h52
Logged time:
1h42
